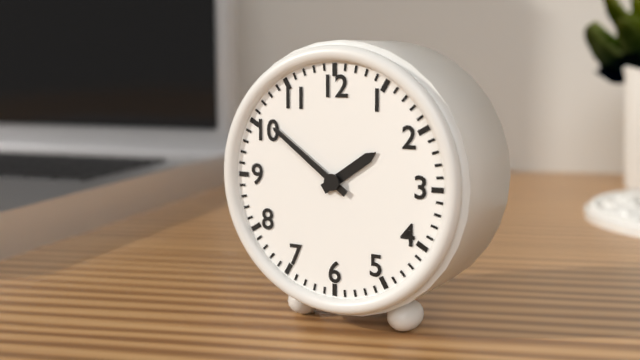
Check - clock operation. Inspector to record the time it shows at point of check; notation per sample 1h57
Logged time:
1h51
